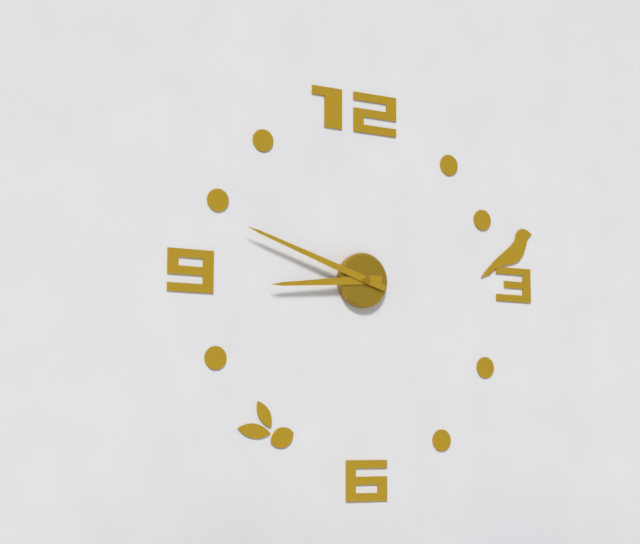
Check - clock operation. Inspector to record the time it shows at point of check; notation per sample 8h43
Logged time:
8h48
